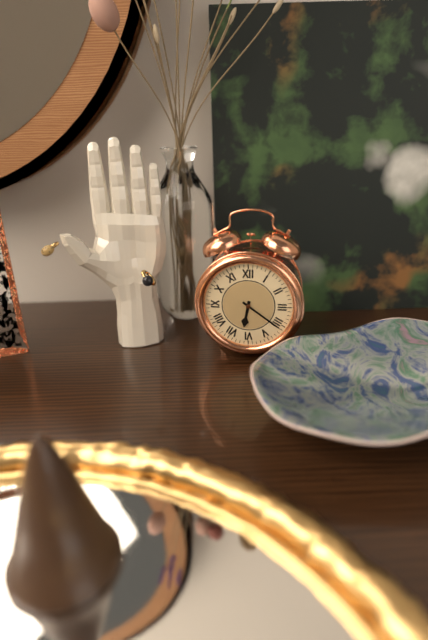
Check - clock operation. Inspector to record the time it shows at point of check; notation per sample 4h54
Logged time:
6h21
